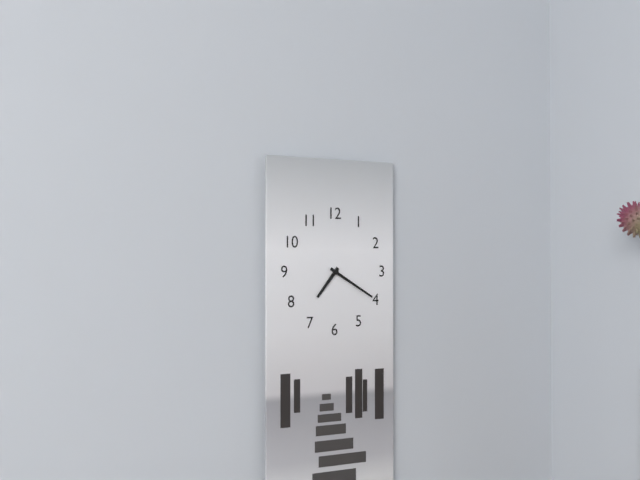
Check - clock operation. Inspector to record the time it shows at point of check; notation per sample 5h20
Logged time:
7h20
